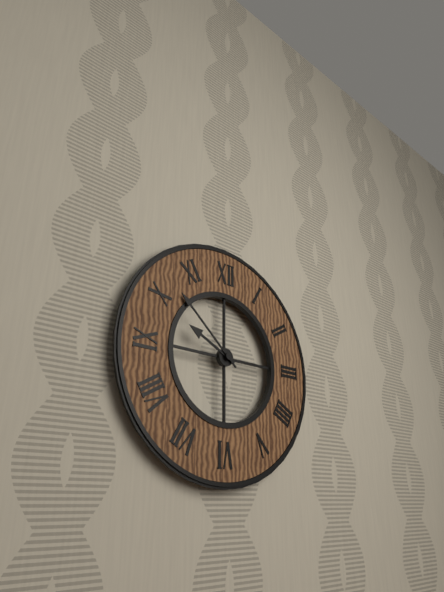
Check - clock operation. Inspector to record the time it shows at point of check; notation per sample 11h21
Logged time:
9h52
